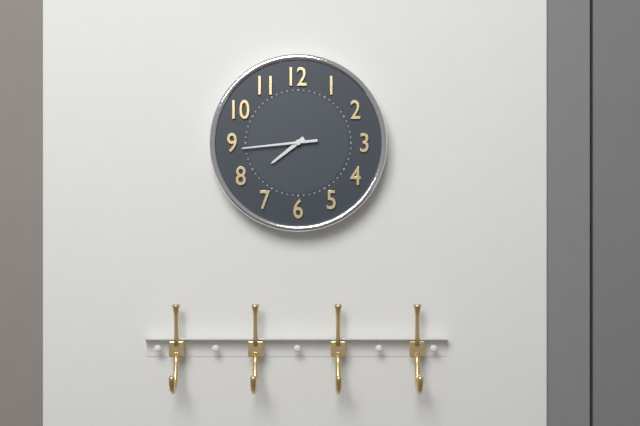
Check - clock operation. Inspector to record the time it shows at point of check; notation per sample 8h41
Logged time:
7h44
